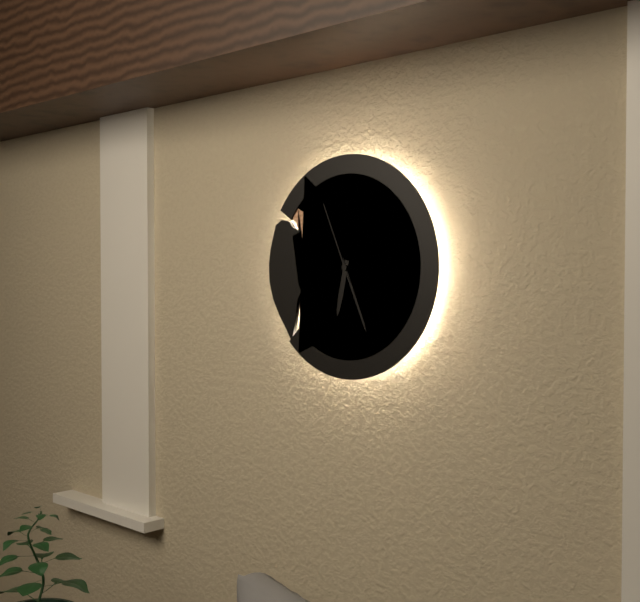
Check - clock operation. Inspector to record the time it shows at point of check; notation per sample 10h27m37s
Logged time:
6h26m56s
